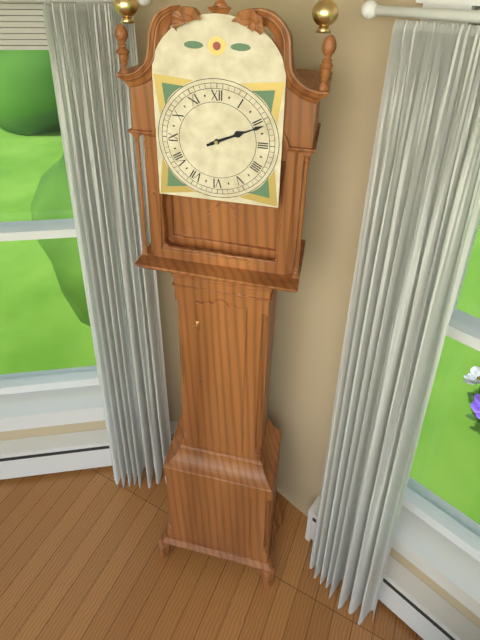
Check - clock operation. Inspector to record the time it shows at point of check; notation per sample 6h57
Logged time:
2h11
